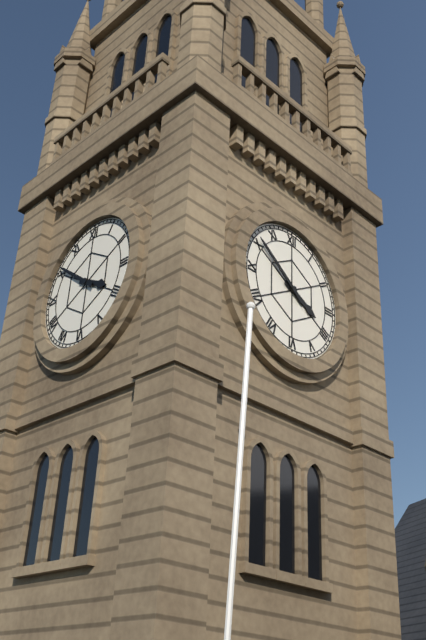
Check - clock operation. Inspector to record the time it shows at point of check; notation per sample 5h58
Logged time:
3h51
